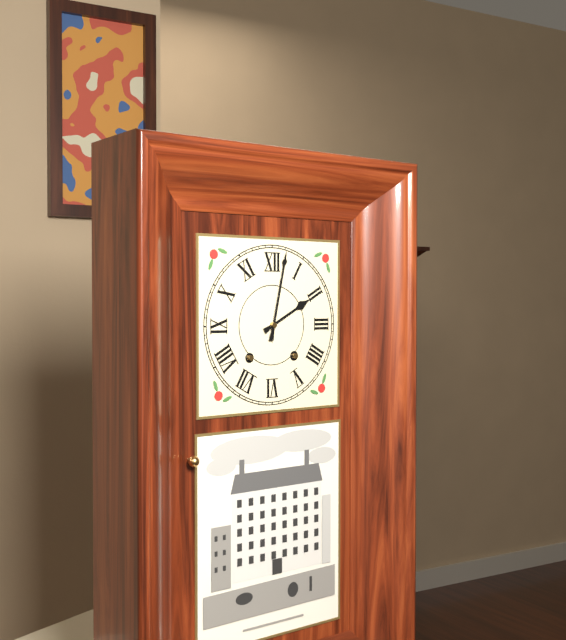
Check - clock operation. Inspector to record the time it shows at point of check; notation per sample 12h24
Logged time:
2h02
